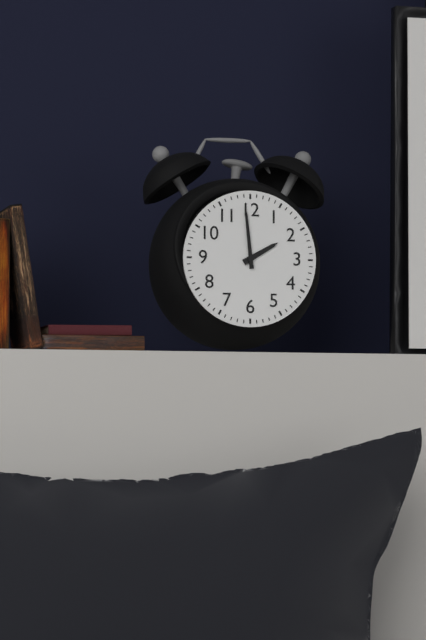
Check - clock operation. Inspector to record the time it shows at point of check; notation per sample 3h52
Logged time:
1h59
